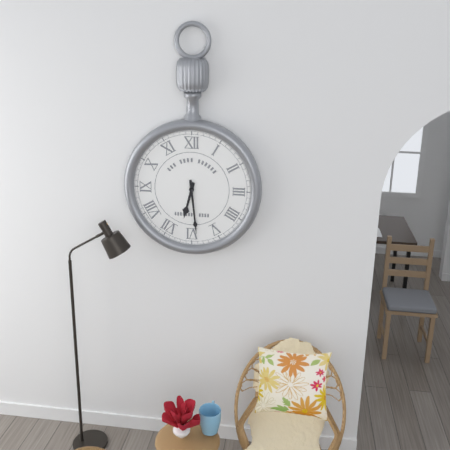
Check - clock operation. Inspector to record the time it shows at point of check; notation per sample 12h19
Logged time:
6h29
